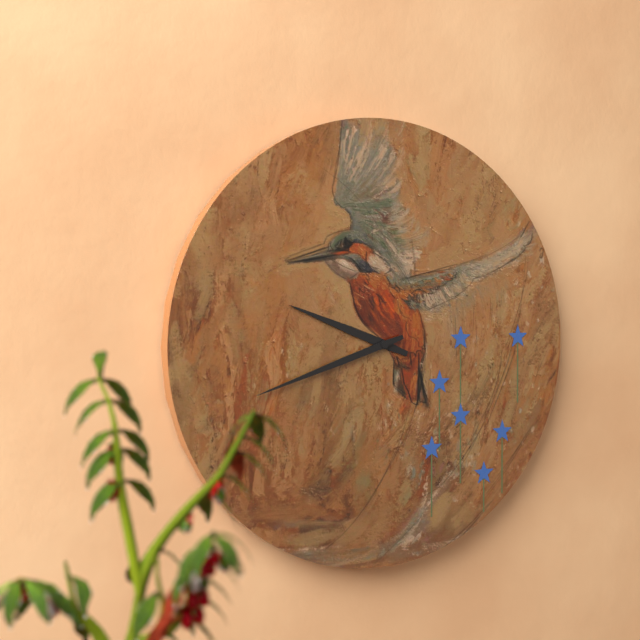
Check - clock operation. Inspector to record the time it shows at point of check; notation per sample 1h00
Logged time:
9h42
